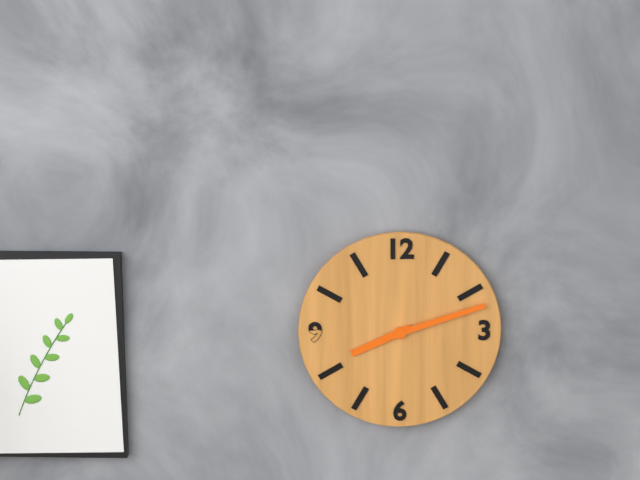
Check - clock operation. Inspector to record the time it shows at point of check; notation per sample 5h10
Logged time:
8h12
